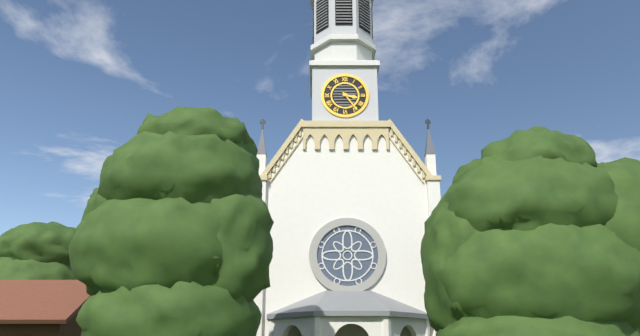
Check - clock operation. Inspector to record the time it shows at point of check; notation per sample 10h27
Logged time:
3h24
